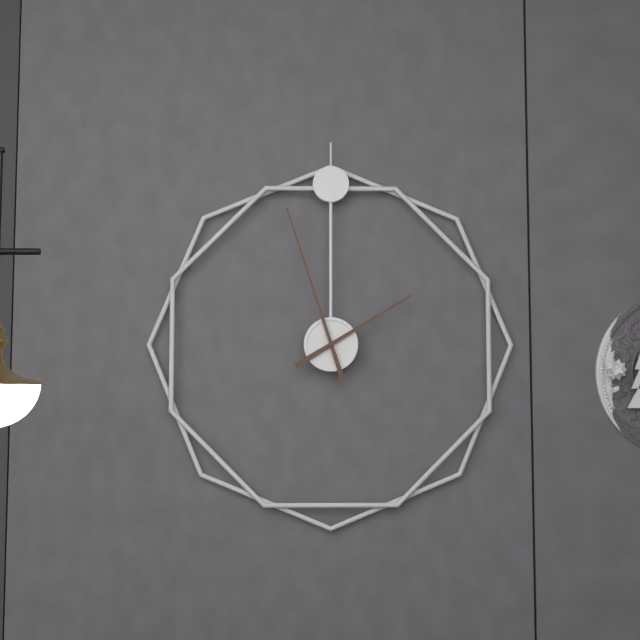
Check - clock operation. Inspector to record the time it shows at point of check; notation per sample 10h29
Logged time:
1h57
